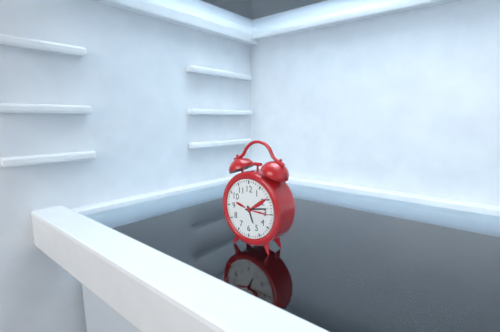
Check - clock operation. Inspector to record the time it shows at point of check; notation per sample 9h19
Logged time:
5h13
